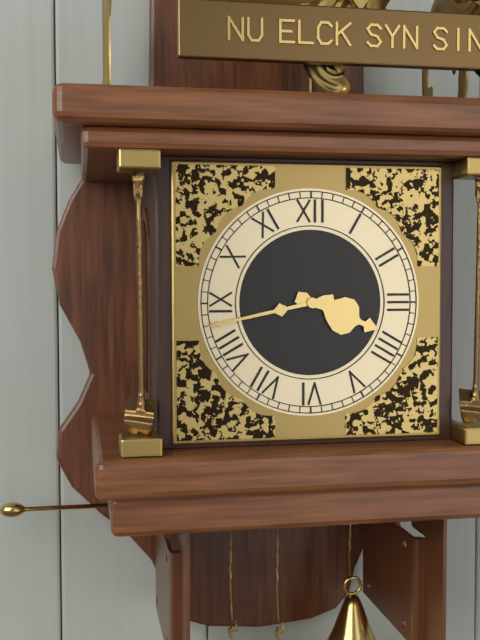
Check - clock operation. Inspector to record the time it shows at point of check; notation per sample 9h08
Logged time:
3h43
